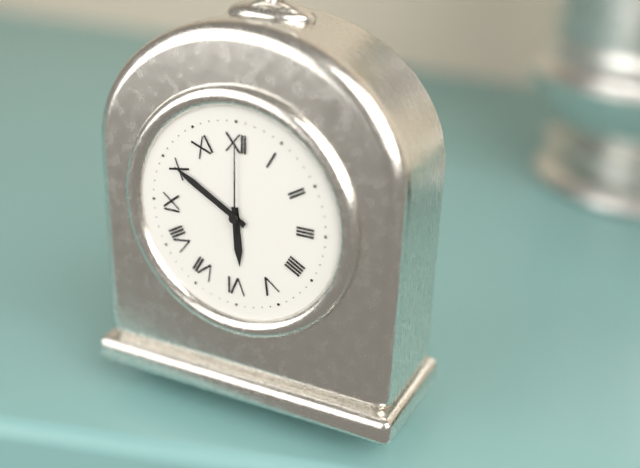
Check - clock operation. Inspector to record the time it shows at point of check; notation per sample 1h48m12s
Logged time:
5h50m00s
